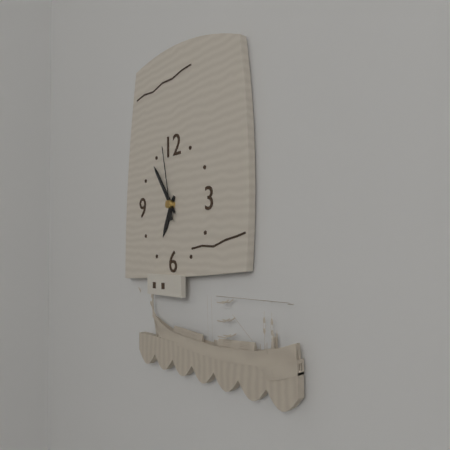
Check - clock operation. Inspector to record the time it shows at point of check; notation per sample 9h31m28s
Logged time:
6h54m58s
